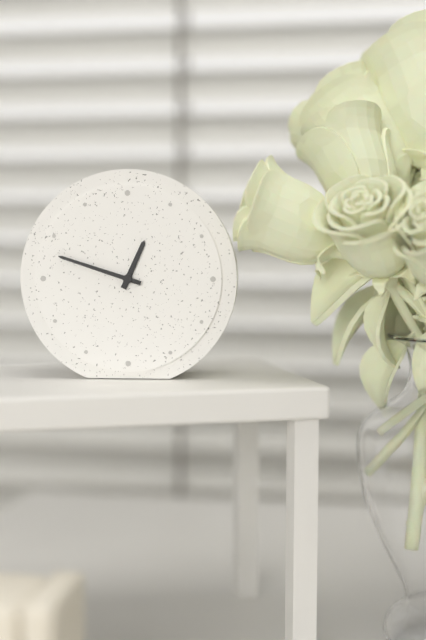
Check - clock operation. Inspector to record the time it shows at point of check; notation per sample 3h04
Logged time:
12h48
